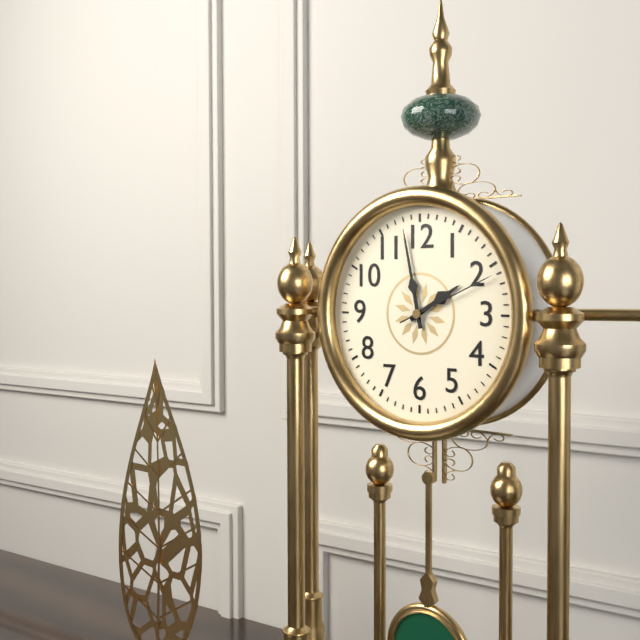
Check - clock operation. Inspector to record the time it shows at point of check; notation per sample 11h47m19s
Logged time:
1h58m11s
